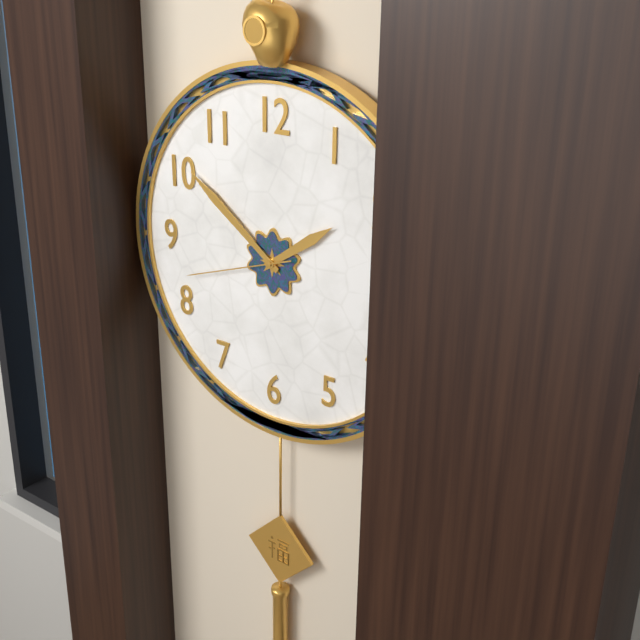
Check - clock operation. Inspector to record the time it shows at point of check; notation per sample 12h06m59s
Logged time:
1h51m42s
